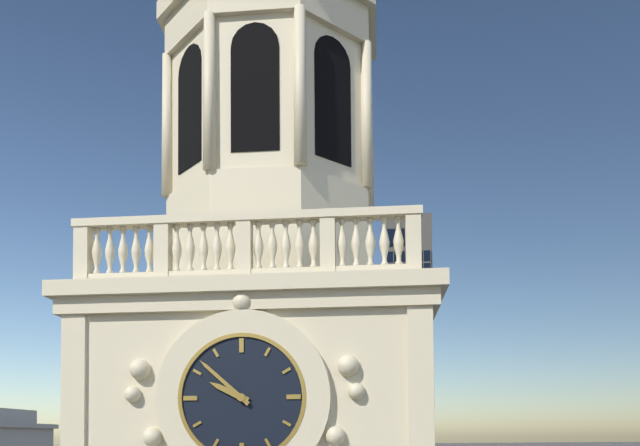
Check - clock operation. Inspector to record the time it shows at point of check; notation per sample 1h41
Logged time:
9h52
